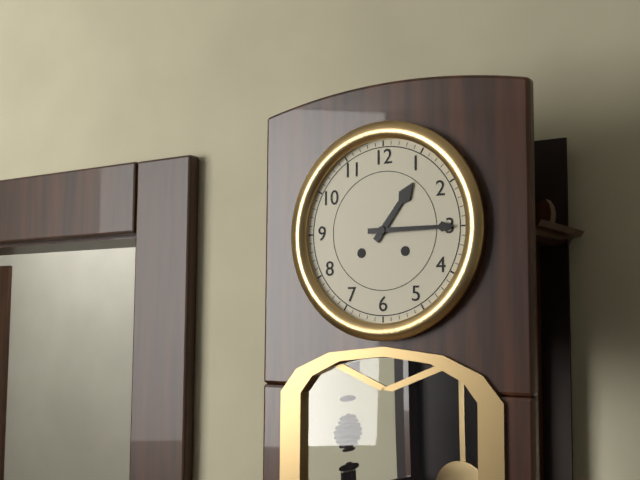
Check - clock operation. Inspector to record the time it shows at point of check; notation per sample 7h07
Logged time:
1h15
